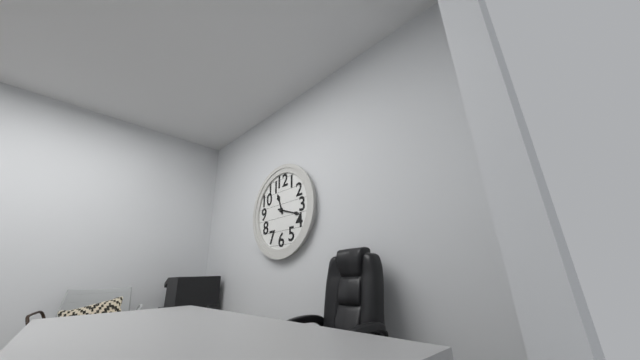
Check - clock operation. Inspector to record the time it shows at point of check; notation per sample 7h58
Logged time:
11h18
